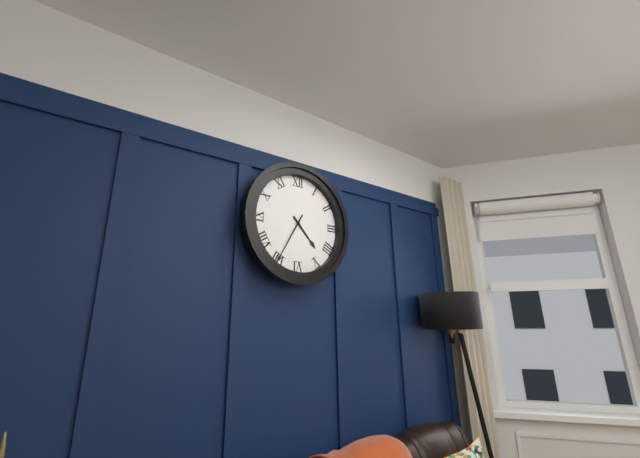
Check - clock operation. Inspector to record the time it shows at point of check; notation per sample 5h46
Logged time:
4h35
